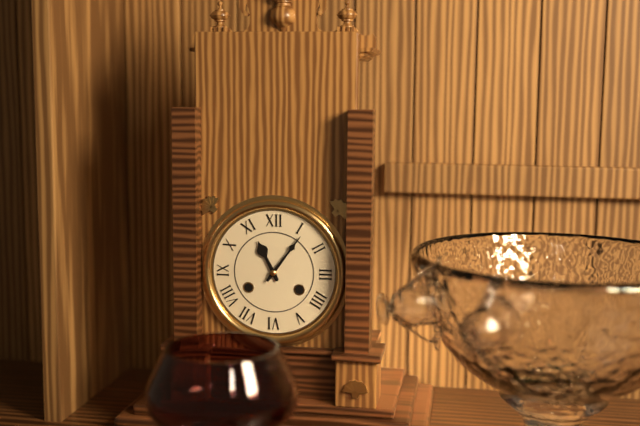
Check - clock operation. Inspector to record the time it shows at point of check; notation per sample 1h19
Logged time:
11h06
